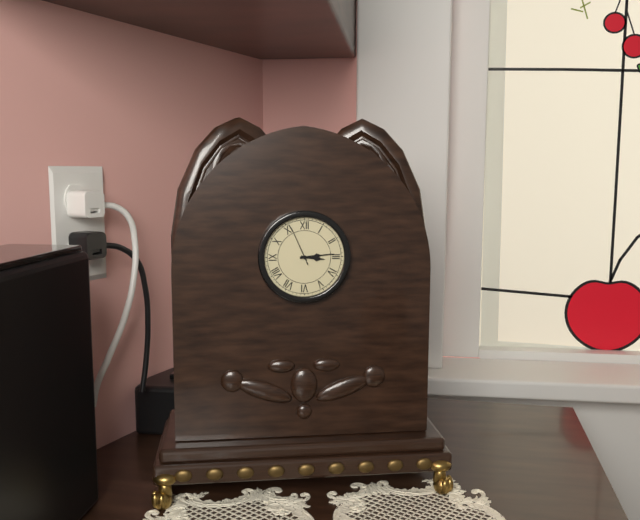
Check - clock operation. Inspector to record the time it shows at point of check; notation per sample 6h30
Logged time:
3h14
